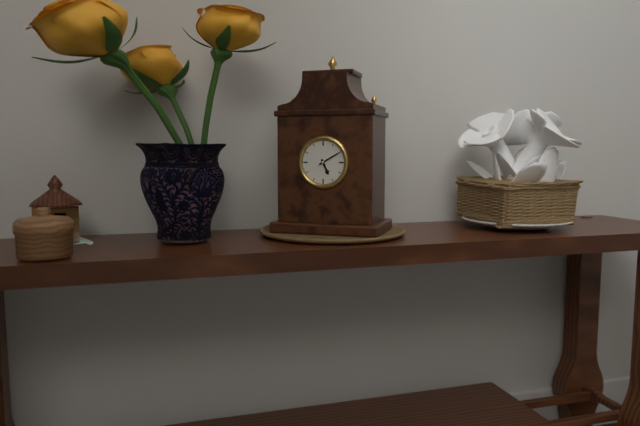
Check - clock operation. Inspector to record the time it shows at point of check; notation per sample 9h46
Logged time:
5h10
